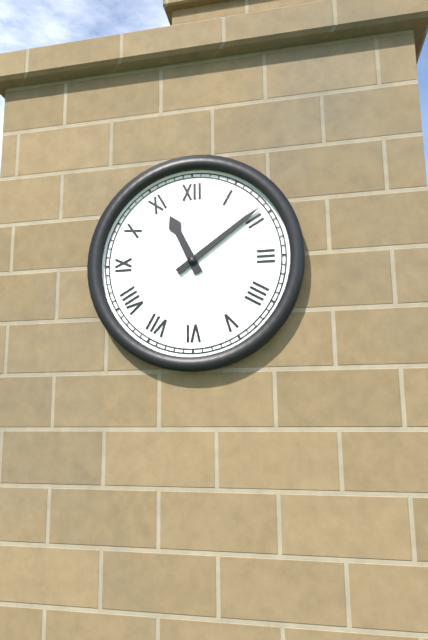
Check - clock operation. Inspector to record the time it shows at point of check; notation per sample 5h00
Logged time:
11h09
